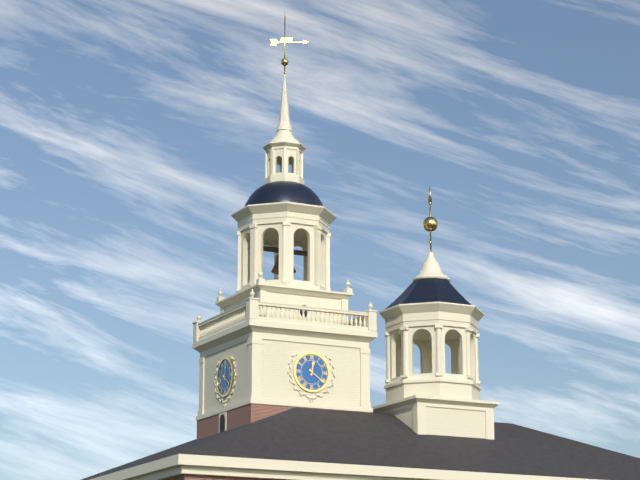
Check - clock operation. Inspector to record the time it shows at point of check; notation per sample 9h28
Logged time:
12h21
